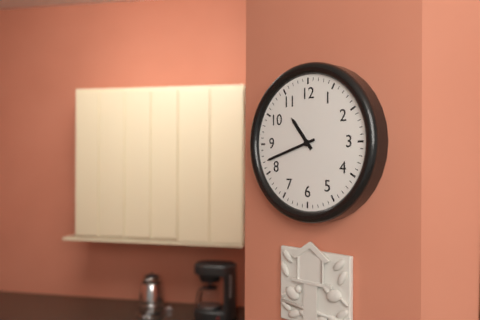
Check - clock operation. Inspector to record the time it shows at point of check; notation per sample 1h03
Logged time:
10h42
